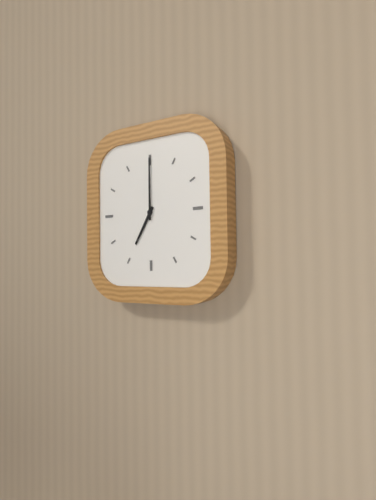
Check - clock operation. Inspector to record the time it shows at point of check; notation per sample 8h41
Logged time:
7h00
